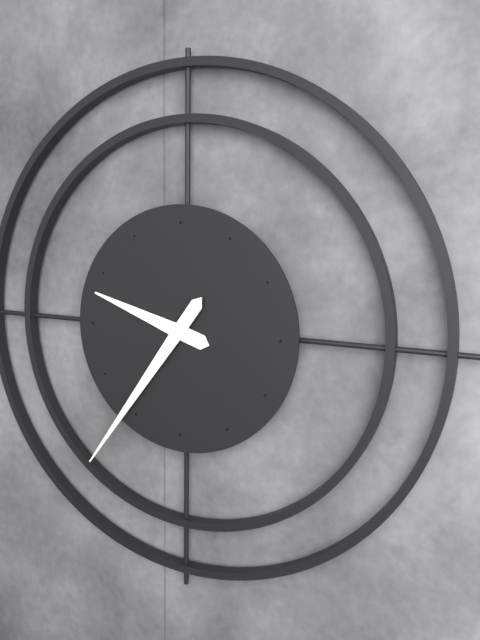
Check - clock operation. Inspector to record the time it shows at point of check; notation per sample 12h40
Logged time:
9h36
